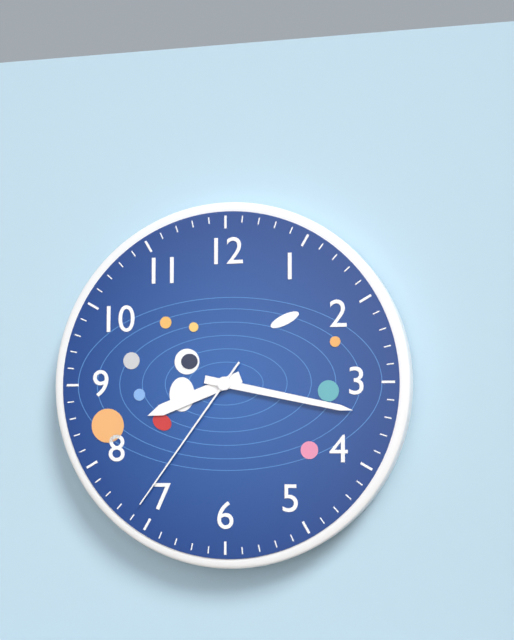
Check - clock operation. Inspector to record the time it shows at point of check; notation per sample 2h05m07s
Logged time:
8h17m36s
